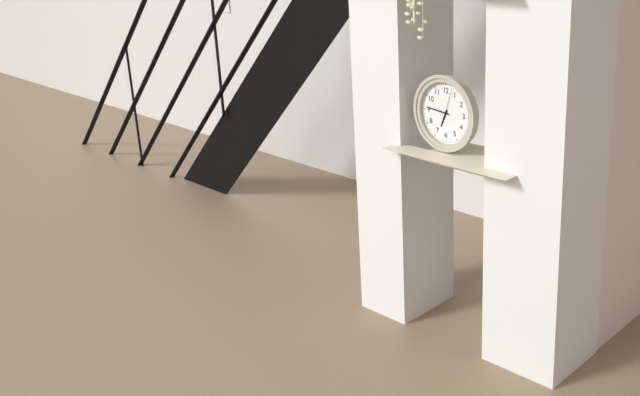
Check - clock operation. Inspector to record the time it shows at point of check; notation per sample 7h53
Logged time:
6h46
